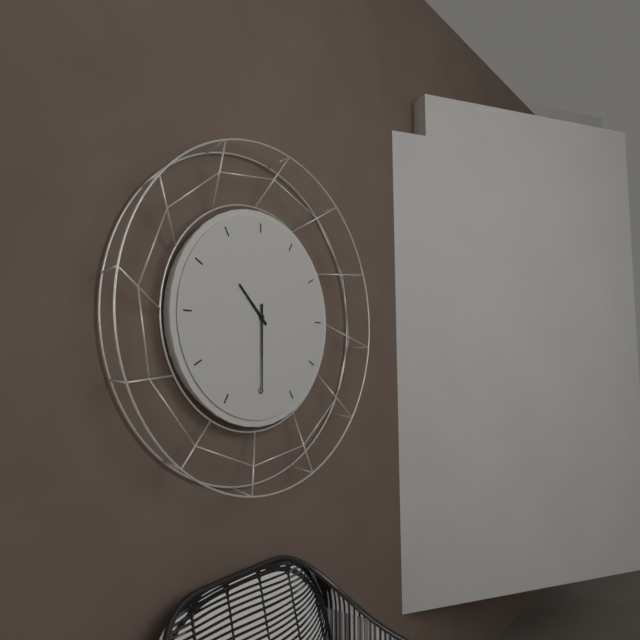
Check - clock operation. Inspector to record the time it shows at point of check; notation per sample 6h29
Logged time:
10h30
